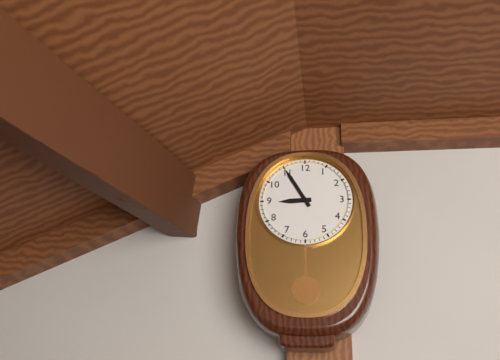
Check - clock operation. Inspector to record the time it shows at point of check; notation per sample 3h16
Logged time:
8h55
